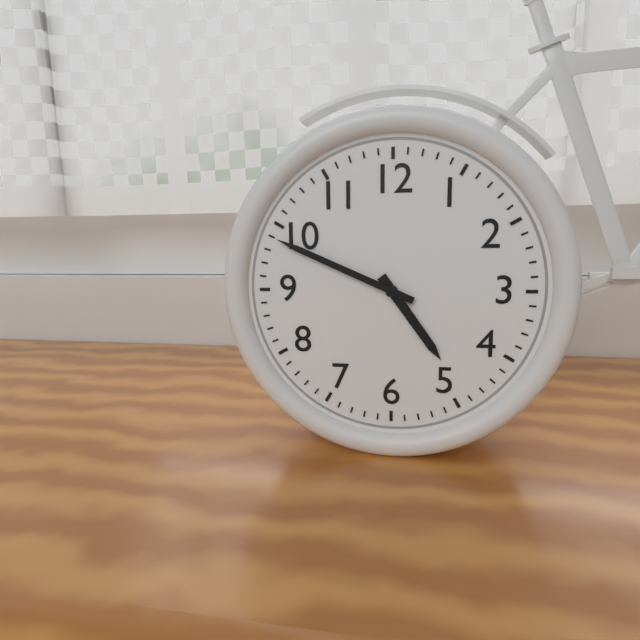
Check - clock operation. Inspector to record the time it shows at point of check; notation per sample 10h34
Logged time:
4h49
